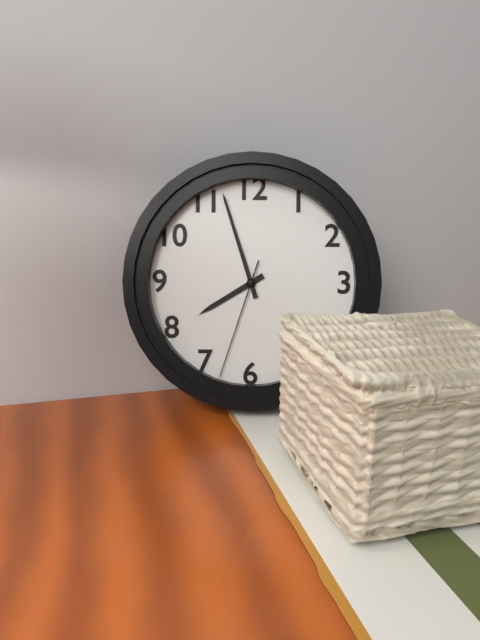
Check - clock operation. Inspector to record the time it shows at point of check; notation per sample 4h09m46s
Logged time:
7h57m33s
